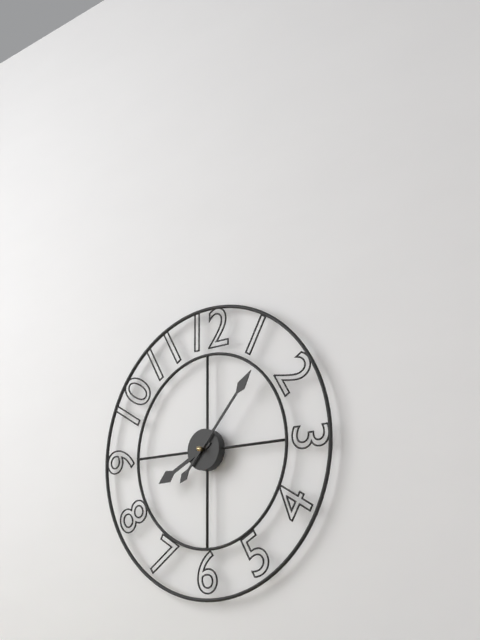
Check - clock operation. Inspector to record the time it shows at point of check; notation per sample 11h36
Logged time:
8h07
